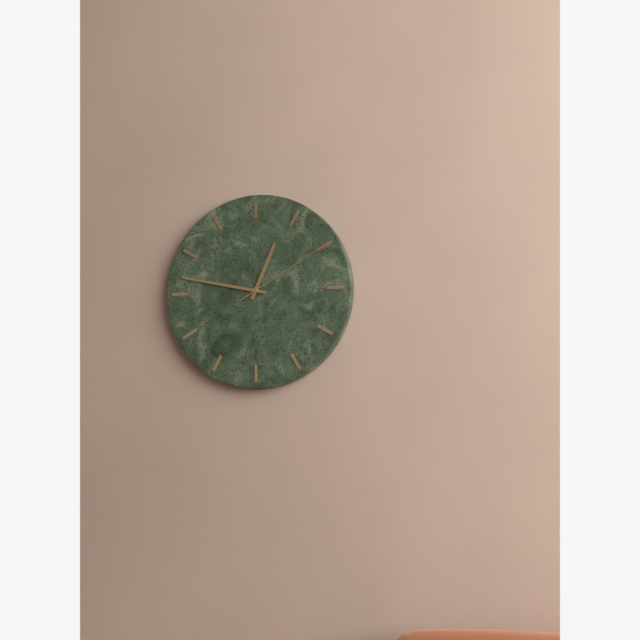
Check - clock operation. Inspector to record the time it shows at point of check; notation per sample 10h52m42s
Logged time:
12h47m10s
